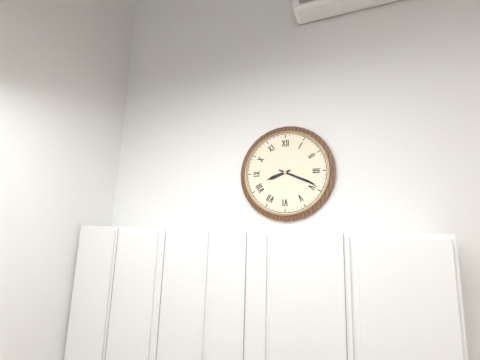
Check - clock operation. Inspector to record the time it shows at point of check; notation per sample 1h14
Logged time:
8h19
